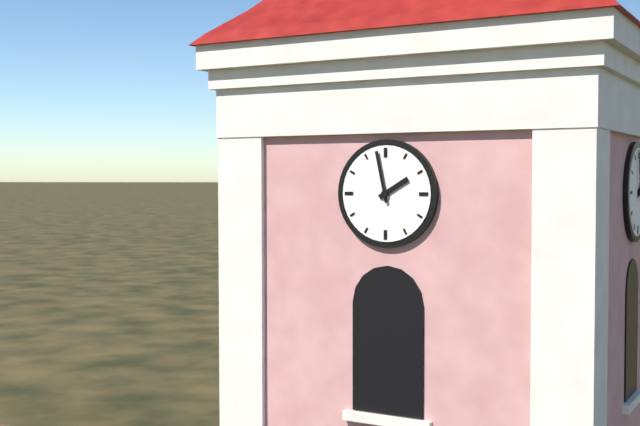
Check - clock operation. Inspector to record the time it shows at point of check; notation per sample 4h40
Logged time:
1h58
